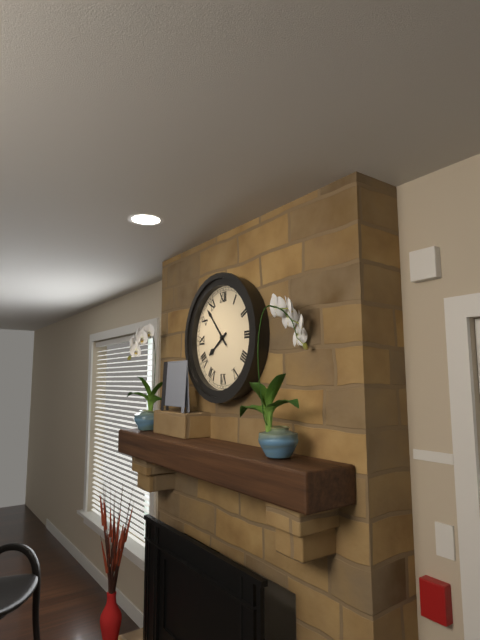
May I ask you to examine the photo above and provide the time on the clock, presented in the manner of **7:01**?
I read **7:53**
